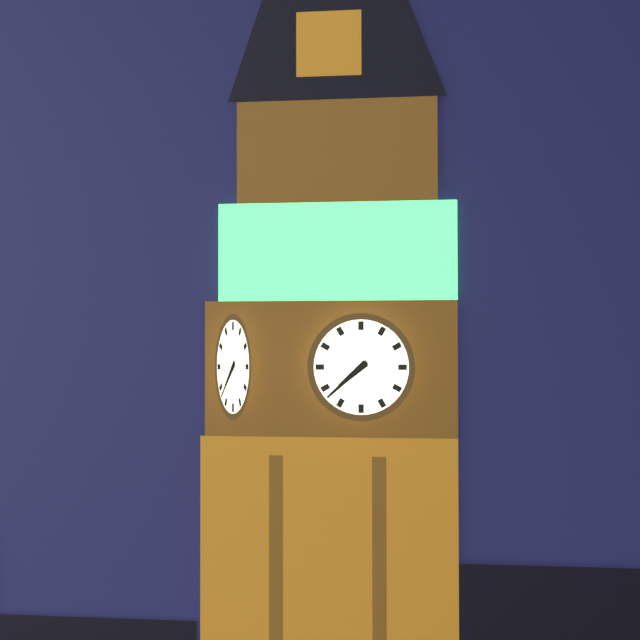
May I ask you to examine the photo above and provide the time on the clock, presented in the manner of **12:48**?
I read **7:38**
